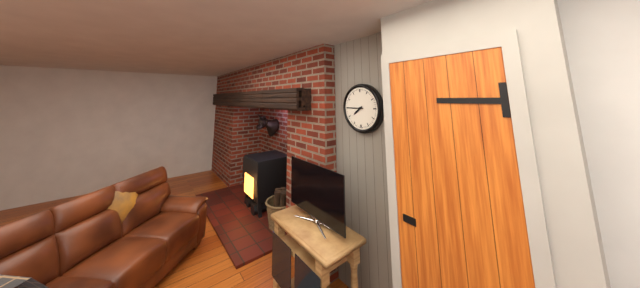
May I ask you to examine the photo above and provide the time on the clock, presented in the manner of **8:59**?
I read **7:45**
